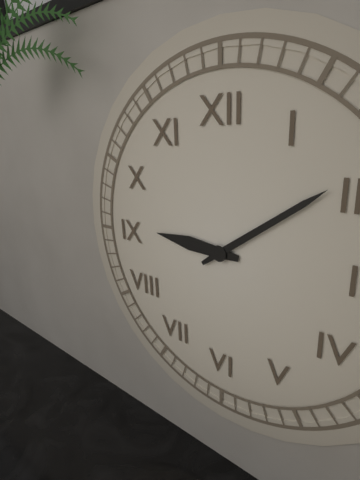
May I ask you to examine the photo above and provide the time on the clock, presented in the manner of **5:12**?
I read **9:09**
